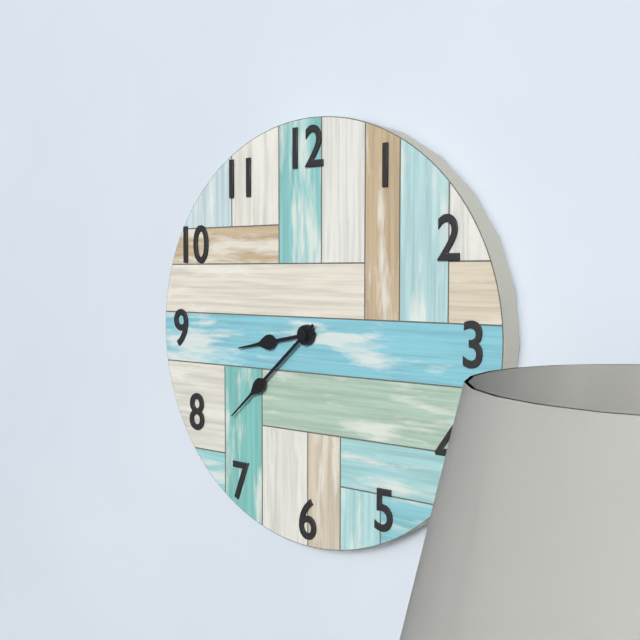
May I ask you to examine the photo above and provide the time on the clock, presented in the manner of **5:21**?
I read **8:38**
